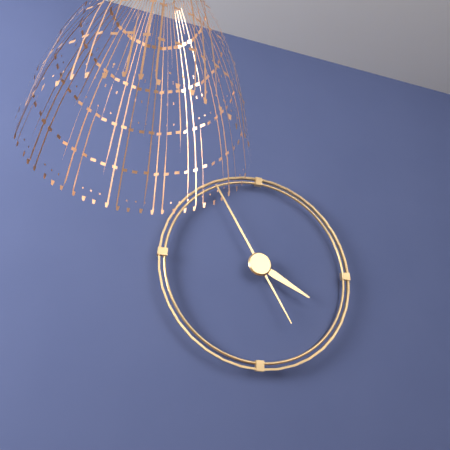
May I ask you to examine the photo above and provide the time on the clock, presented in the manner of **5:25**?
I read **3:55**
